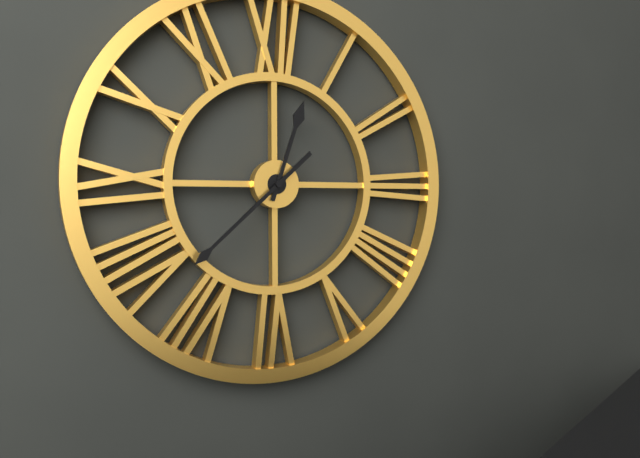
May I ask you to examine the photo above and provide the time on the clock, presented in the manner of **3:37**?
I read **12:38**
